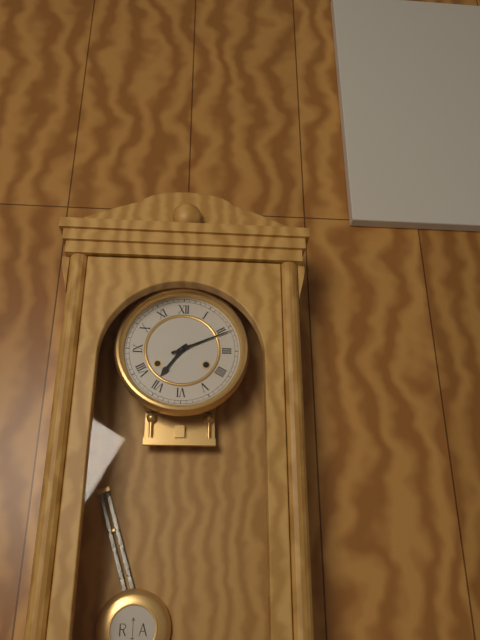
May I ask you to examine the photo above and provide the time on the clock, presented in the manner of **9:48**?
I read **7:11**
